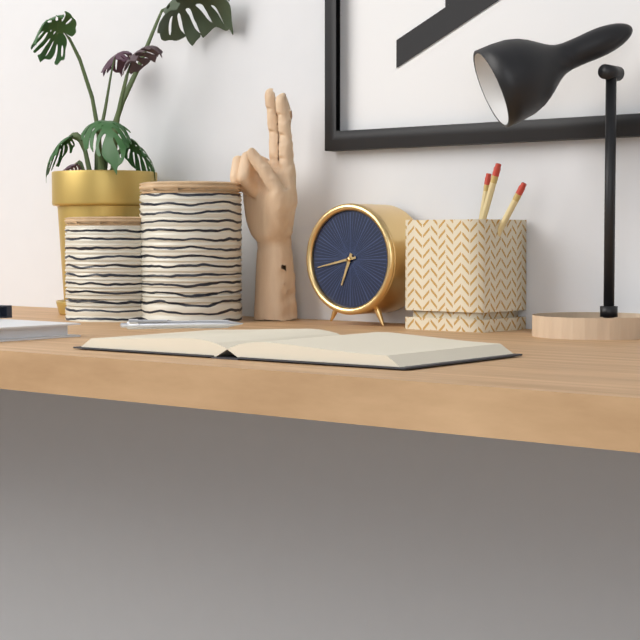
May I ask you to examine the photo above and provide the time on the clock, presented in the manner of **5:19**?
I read **6:43**
